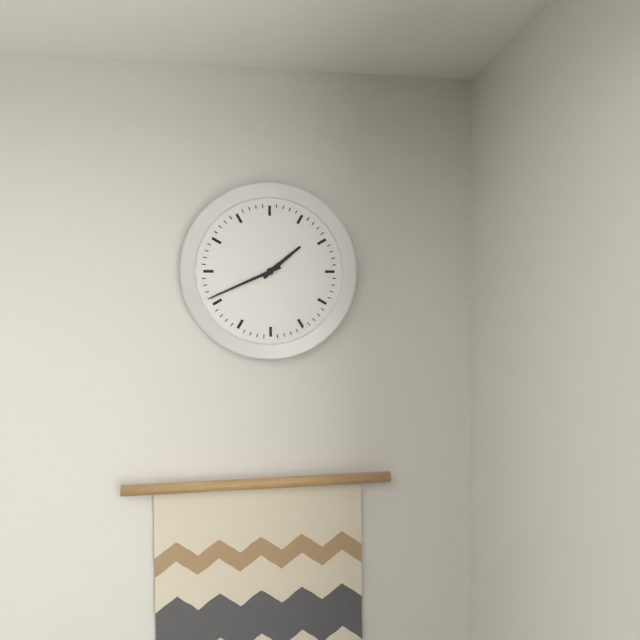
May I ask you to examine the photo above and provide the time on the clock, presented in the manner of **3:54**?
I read **1:41**
